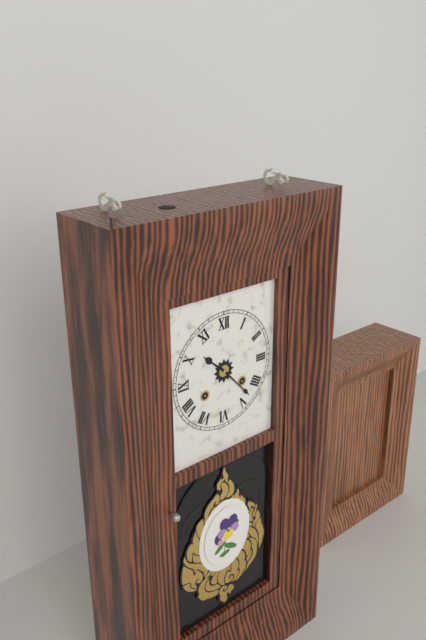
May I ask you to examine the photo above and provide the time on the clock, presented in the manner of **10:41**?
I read **10:23**
